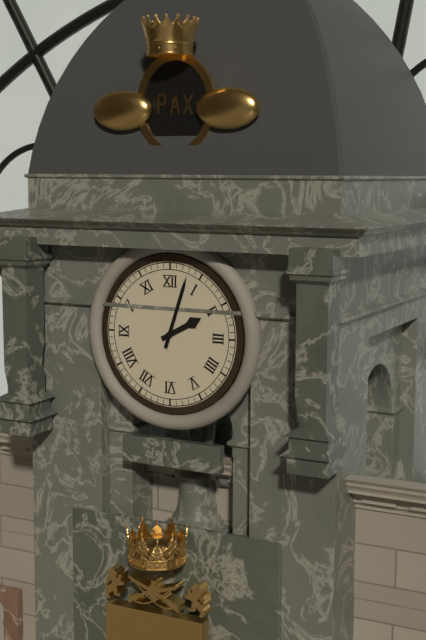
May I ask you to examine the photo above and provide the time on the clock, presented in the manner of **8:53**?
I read **2:03**
